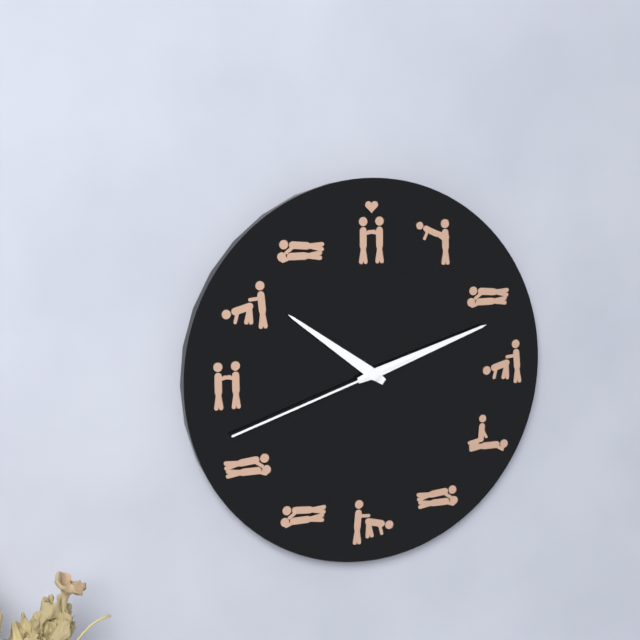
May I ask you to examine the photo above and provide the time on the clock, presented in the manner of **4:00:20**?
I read **10:12:42**
